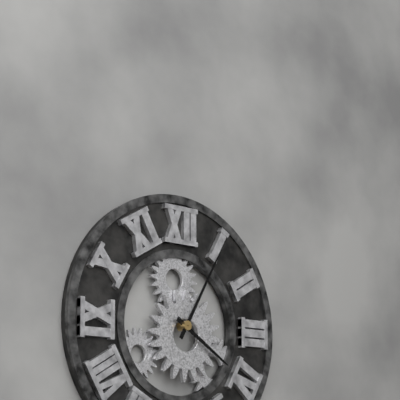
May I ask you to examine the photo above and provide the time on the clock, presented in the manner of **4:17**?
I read **4:05**
